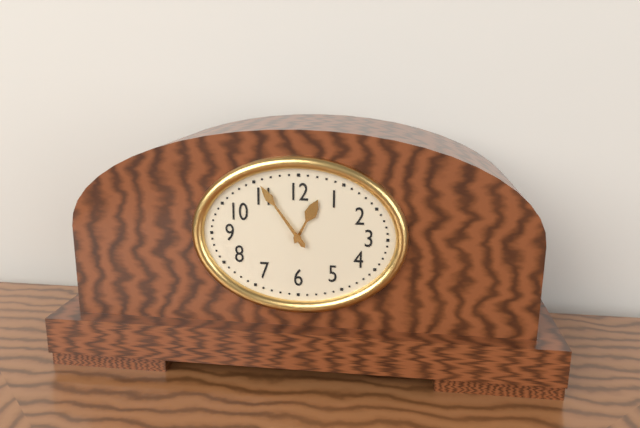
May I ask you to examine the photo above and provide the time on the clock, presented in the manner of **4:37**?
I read **12:54**
